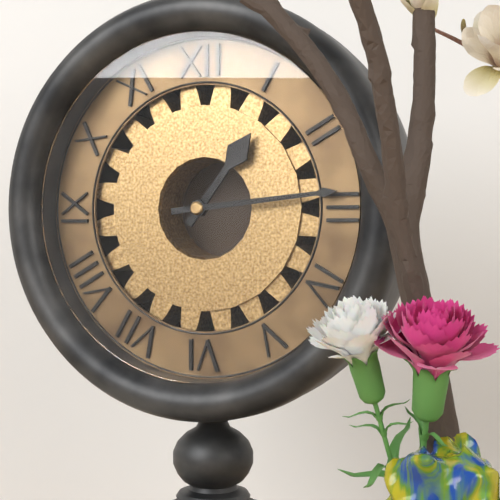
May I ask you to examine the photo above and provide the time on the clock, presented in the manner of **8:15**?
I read **1:14**
